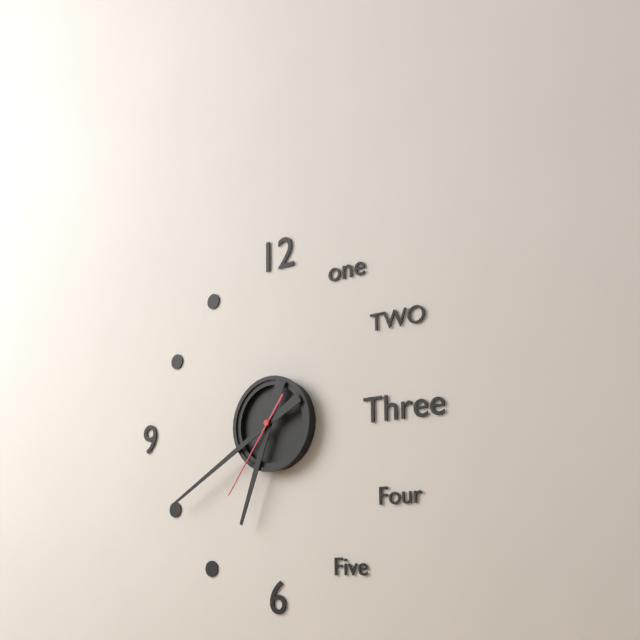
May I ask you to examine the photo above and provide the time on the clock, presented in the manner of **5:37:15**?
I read **6:40:36**
